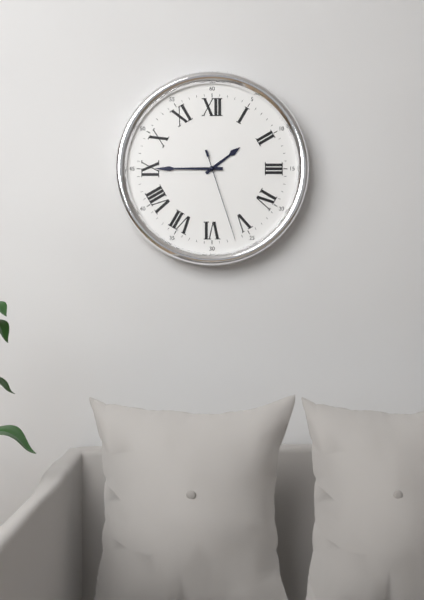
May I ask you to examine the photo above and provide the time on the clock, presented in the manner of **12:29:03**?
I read **1:45:27**
